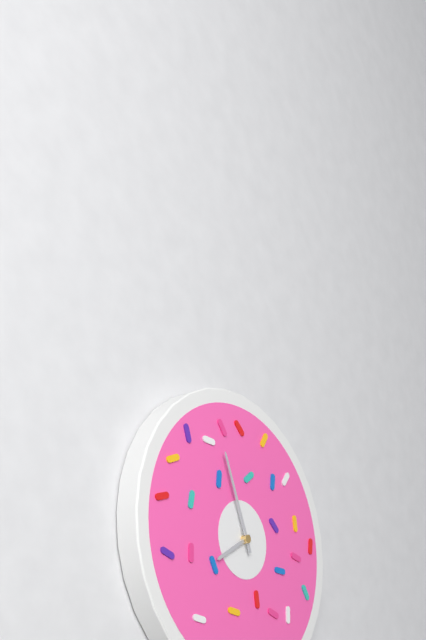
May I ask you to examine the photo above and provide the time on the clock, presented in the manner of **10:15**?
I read **7:56**
